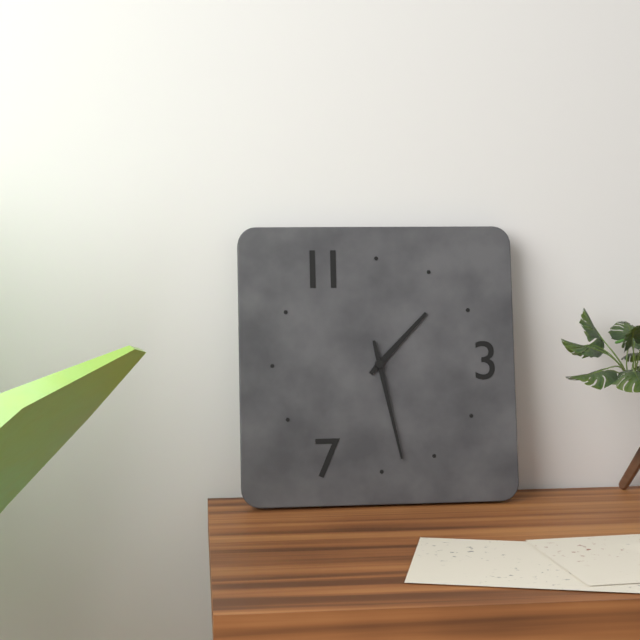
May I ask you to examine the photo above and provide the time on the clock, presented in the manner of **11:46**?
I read **1:28**
